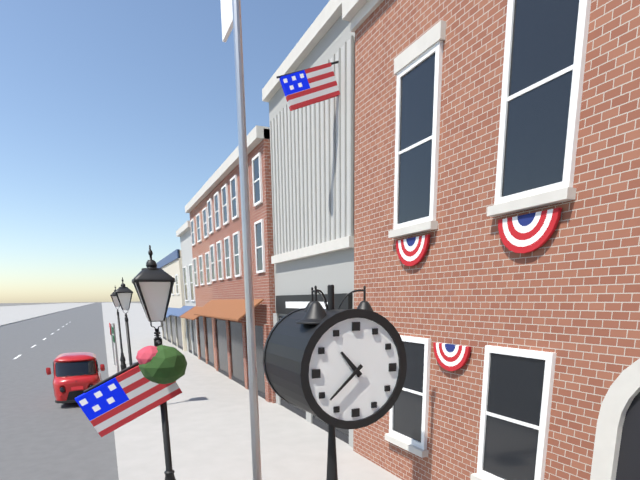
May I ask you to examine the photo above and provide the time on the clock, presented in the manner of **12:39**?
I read **10:38**
